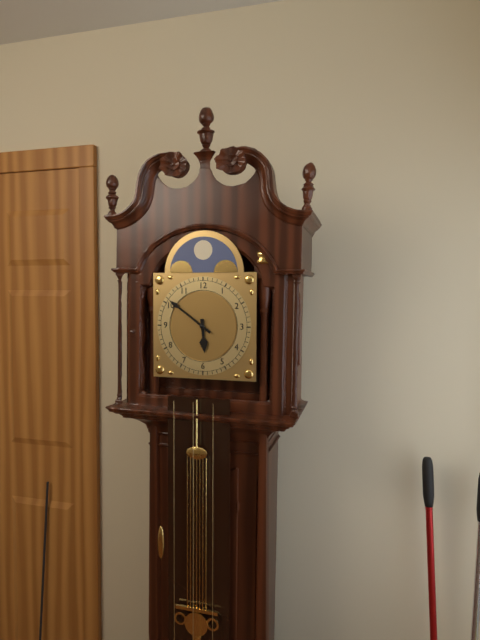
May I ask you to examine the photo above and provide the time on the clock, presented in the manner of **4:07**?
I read **5:51**
